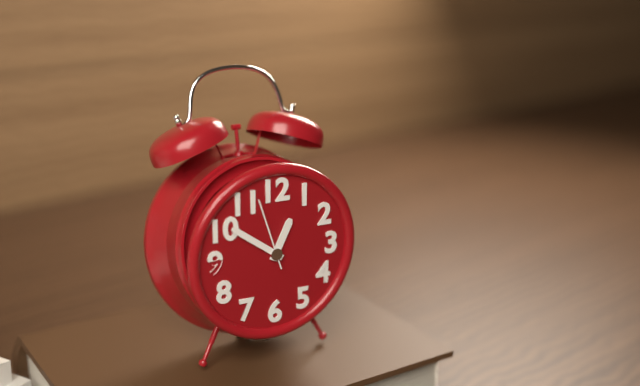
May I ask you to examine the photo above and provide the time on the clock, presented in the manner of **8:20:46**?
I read **12:51:57**
